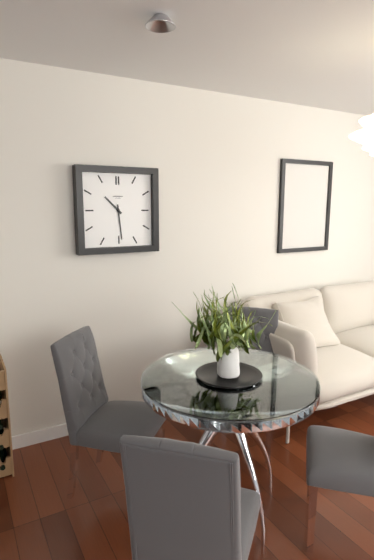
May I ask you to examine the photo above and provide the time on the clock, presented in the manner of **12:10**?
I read **10:29**
